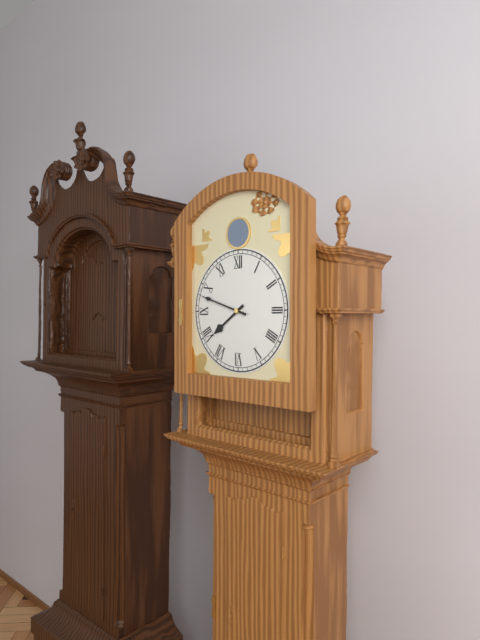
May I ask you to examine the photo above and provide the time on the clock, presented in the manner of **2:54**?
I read **7:48**
